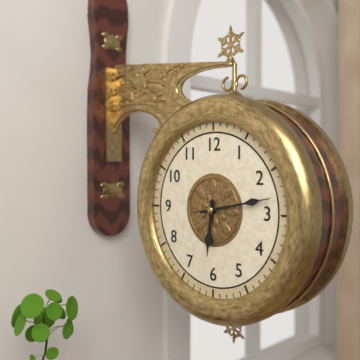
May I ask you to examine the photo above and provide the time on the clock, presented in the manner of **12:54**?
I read **6:13**
